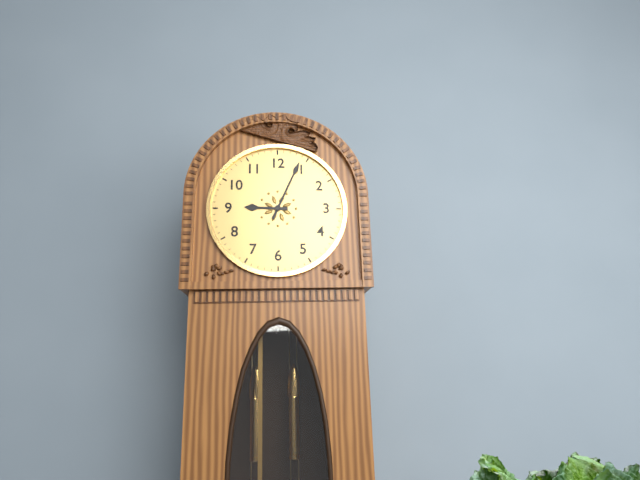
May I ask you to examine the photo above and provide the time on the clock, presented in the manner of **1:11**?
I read **9:04**
